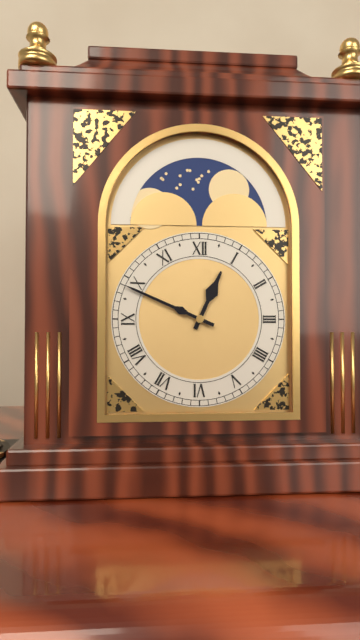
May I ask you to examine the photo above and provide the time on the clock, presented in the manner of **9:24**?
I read **12:49**
